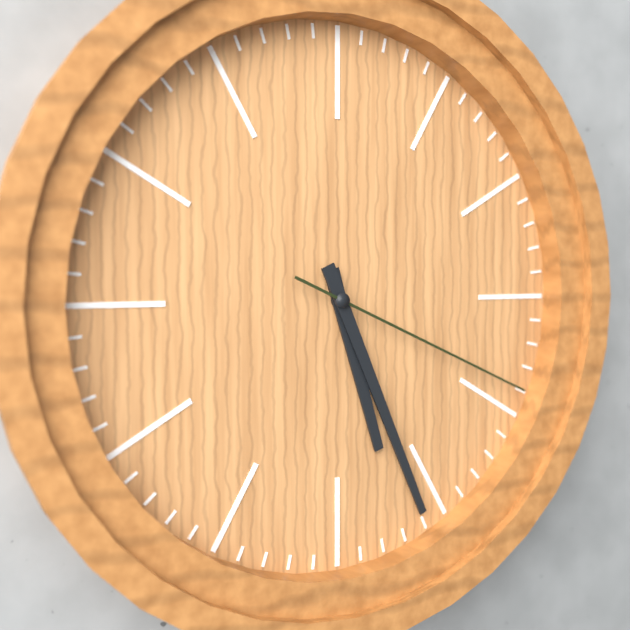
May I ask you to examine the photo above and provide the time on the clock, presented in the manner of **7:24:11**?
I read **5:26:19**
